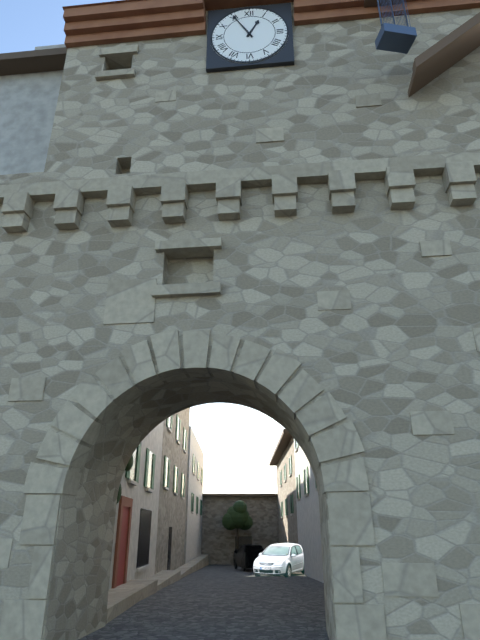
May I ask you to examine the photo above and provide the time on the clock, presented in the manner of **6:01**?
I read **12:55**
